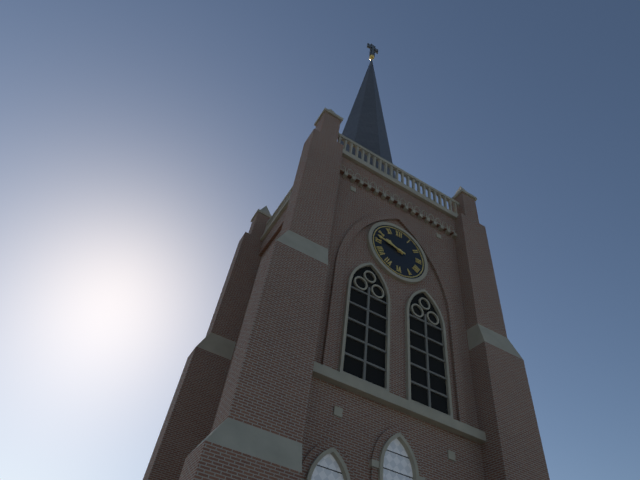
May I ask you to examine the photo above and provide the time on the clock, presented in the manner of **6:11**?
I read **9:47**
